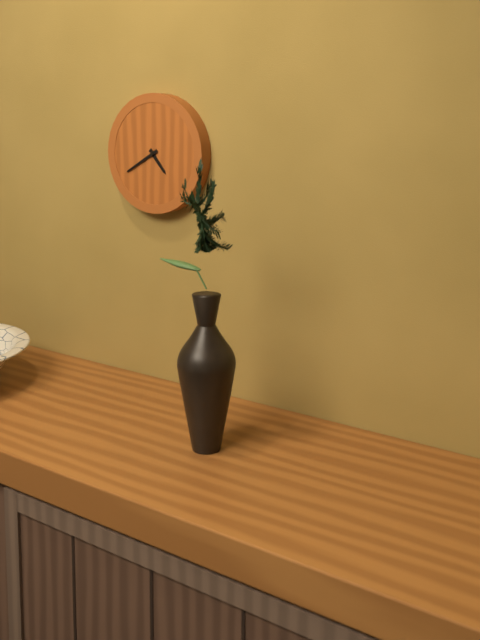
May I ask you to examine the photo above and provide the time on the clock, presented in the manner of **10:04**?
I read **4:40**
